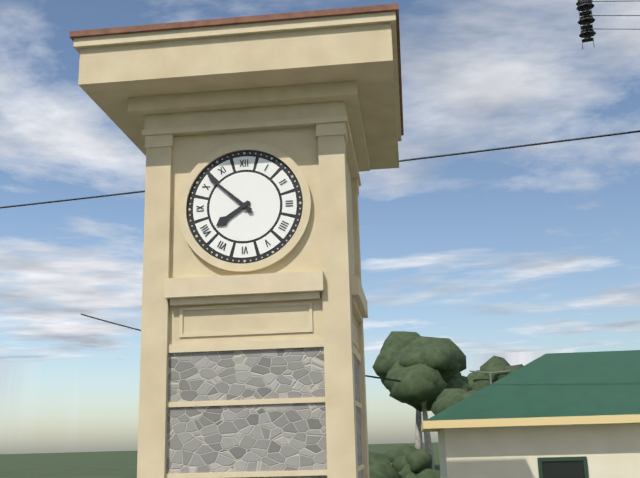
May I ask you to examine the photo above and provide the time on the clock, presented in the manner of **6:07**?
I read **7:52**
